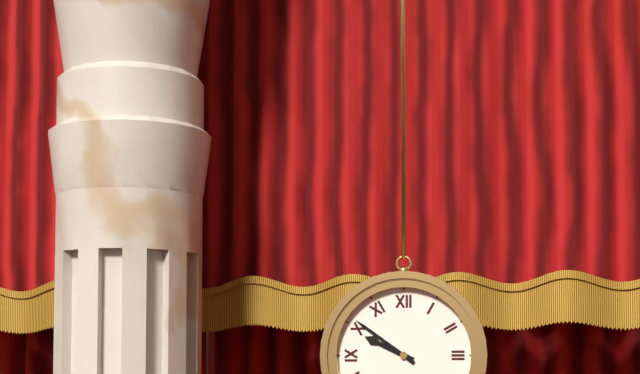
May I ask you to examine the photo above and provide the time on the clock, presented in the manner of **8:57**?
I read **9:51**
